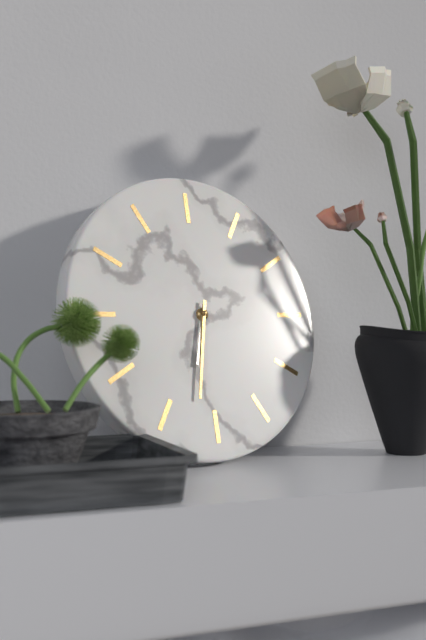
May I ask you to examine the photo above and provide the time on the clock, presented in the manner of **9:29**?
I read **6:32**
